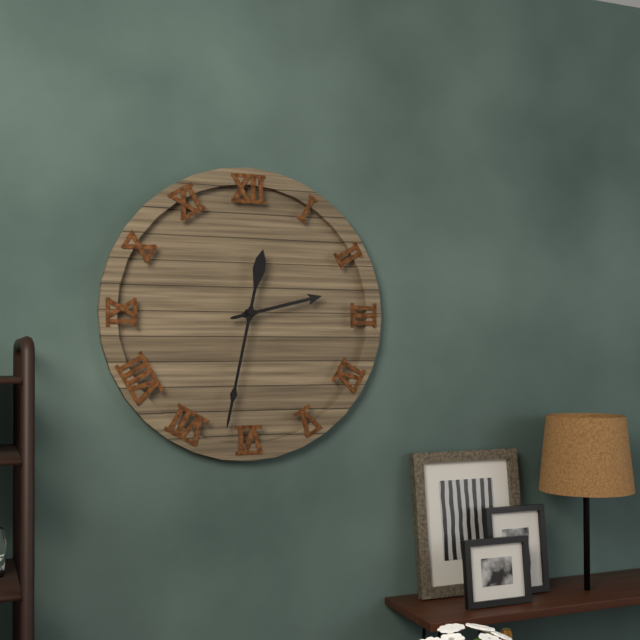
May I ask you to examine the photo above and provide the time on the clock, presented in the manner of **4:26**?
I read **2:32**
